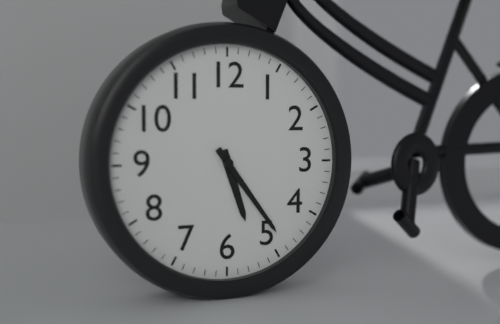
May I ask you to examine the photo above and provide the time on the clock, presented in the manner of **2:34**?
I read **5:24**
